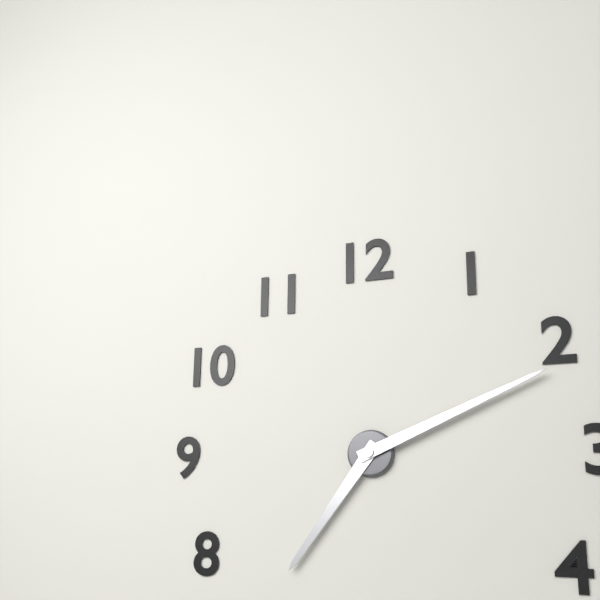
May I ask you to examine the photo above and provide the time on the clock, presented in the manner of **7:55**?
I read **7:11**
